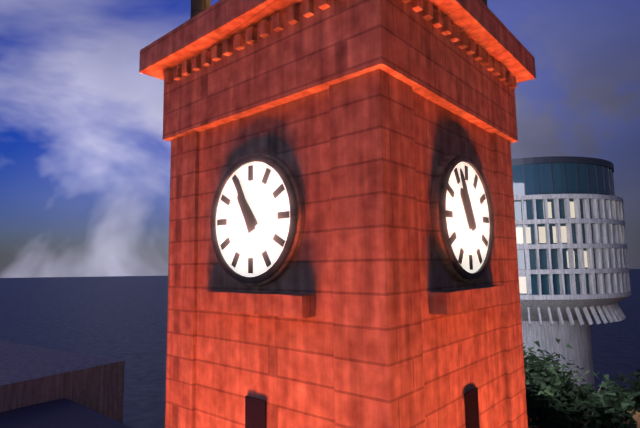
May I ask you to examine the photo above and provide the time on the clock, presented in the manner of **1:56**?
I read **10:56**
